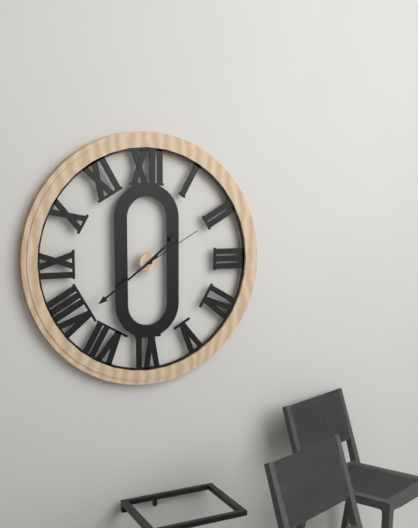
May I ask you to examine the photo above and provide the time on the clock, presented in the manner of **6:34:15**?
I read **1:39:10**
